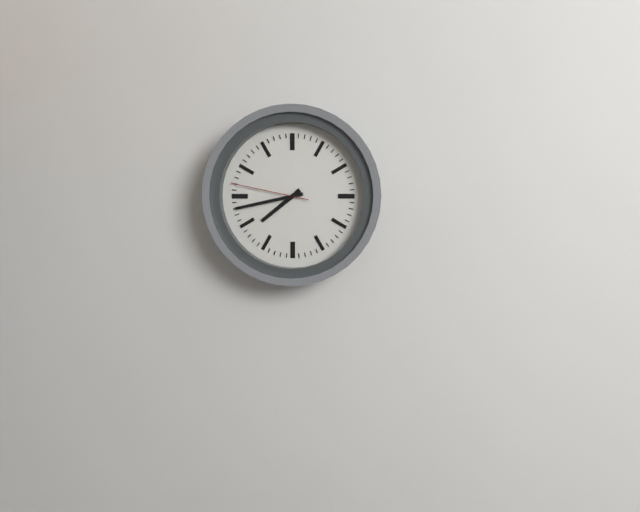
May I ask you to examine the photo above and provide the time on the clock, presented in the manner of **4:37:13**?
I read **7:43:47**
